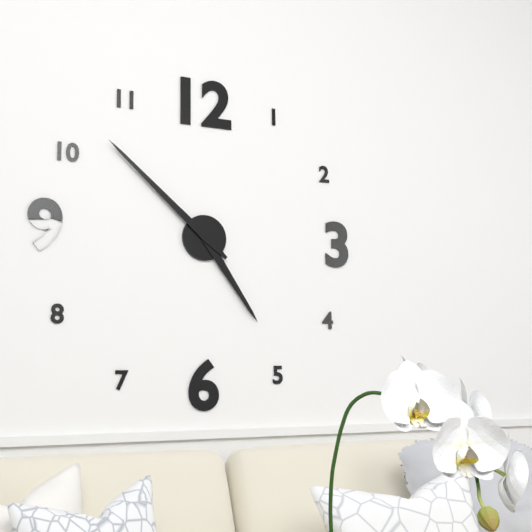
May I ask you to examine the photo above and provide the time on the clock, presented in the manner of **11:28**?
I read **4:52**
